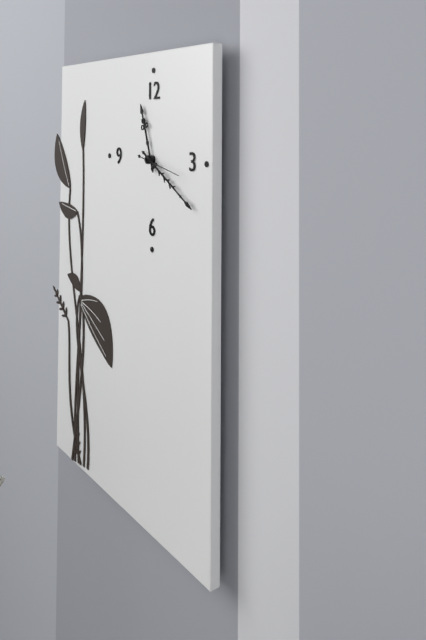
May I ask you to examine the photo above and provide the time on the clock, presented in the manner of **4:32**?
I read **11:20**
